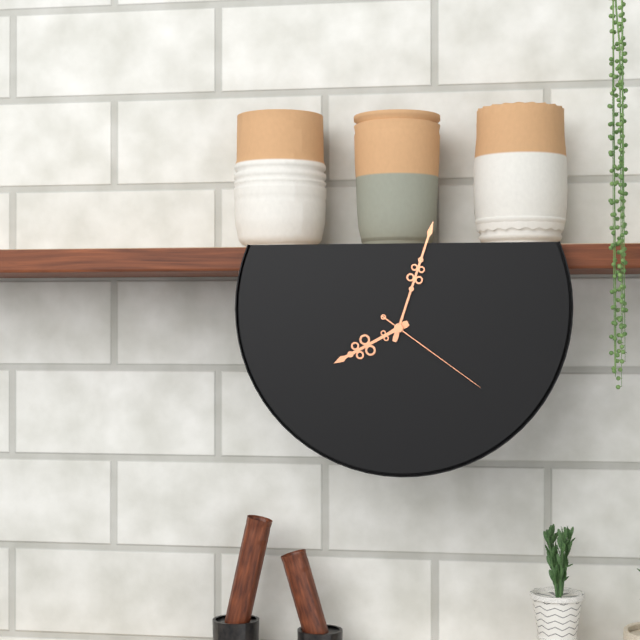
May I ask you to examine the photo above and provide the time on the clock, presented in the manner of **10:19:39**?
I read **8:03:21**
